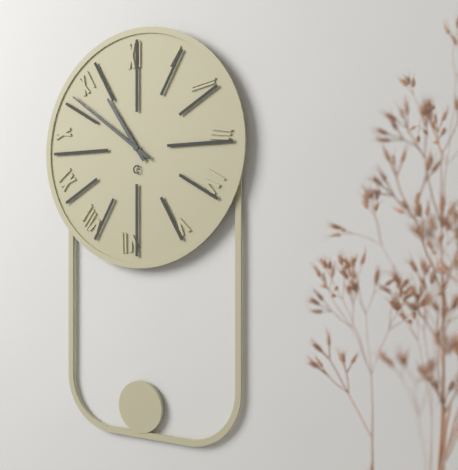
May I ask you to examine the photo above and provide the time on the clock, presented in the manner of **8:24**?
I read **10:51**
